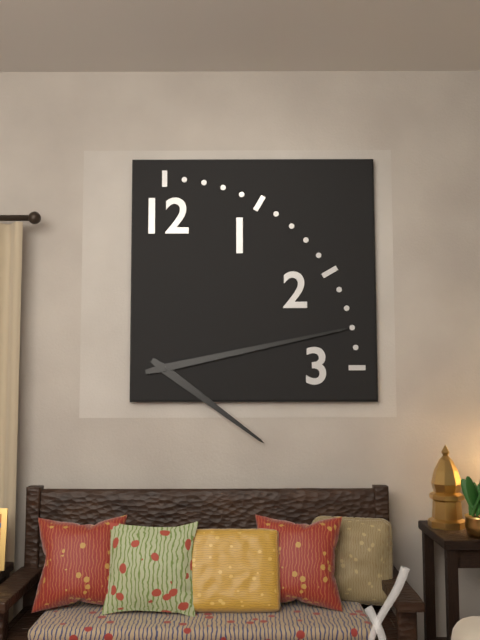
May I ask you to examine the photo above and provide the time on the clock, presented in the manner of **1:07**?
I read **4:13**
